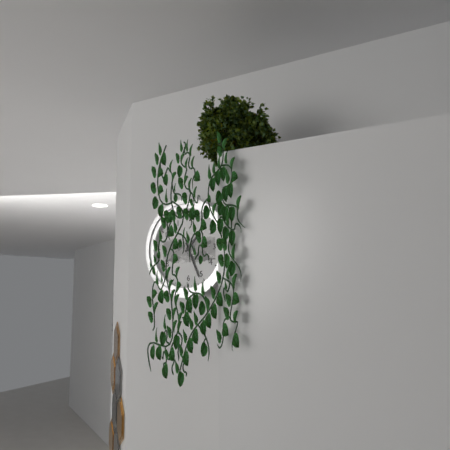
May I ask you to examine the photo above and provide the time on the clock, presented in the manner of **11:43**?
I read **1:26**
